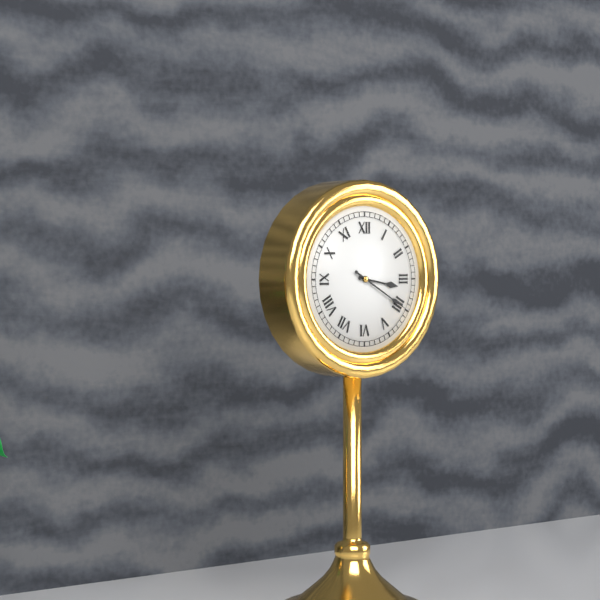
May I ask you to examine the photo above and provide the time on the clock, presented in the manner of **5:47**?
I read **3:20**
